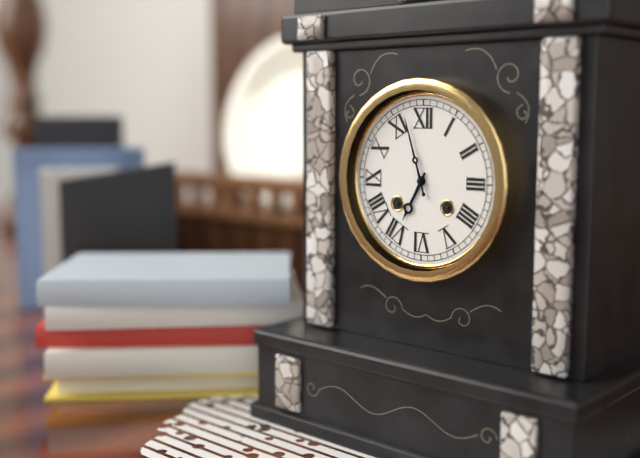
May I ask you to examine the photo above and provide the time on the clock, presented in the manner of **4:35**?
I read **6:57**
